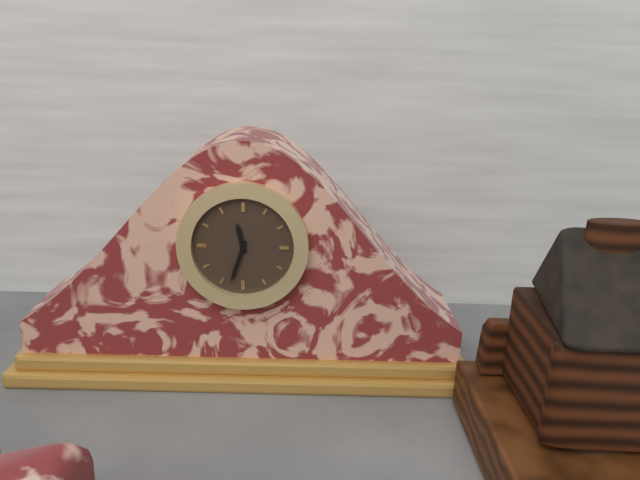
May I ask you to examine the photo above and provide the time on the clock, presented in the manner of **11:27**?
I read **11:33**
